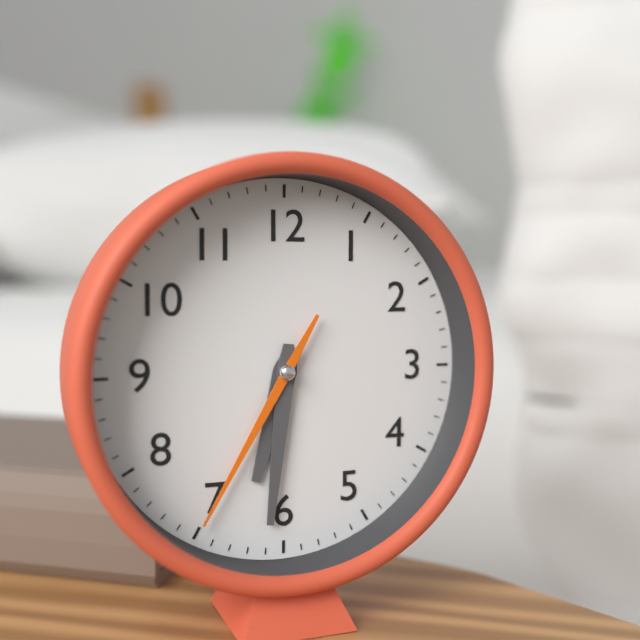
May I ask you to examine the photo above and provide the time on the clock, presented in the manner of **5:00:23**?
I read **6:31:35**
